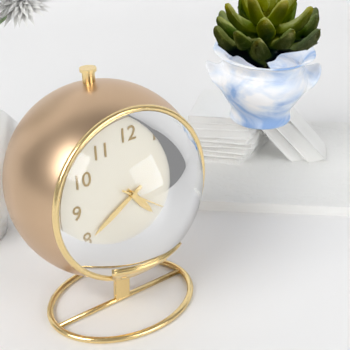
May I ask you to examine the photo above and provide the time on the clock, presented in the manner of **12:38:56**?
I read **4:40:21**
